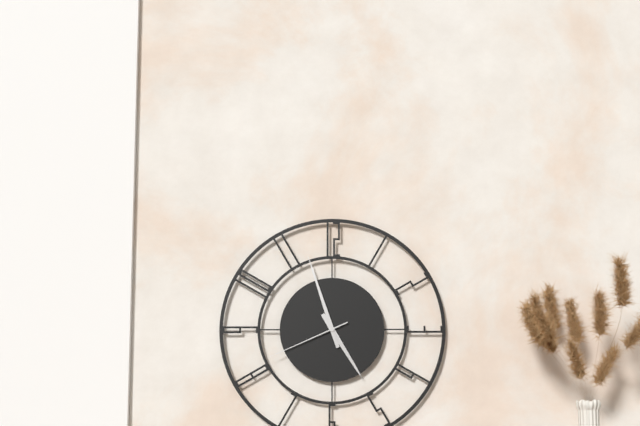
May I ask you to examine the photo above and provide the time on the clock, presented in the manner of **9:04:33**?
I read **4:57:41**
